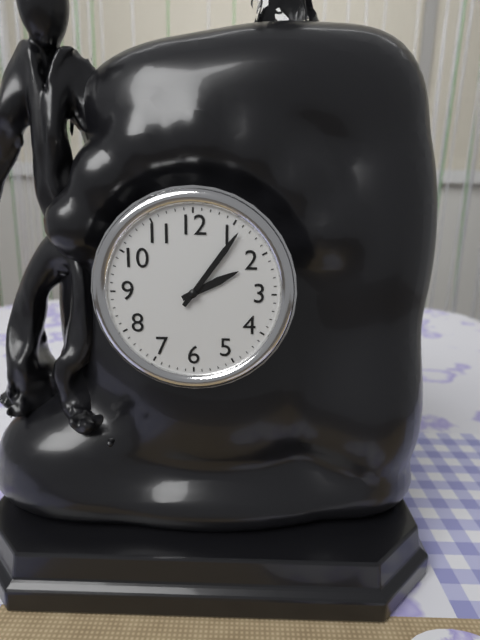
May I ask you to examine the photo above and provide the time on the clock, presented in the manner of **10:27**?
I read **2:06**
